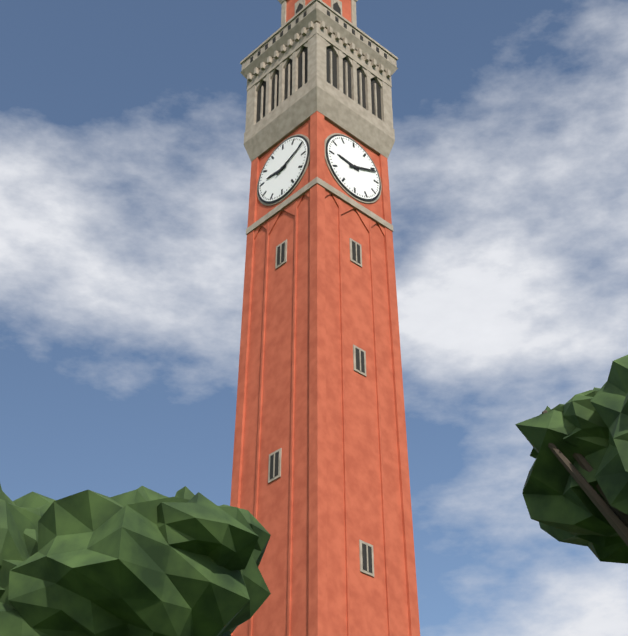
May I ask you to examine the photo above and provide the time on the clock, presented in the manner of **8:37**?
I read **9:11**
